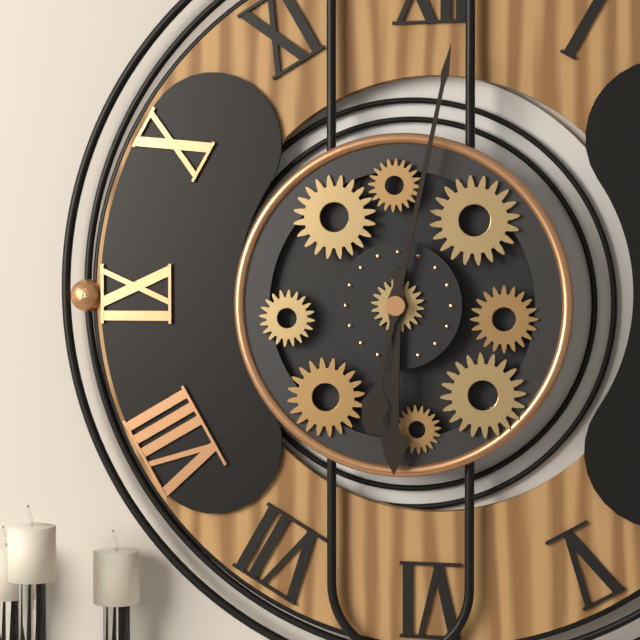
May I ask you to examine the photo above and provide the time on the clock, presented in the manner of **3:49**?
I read **6:02**
